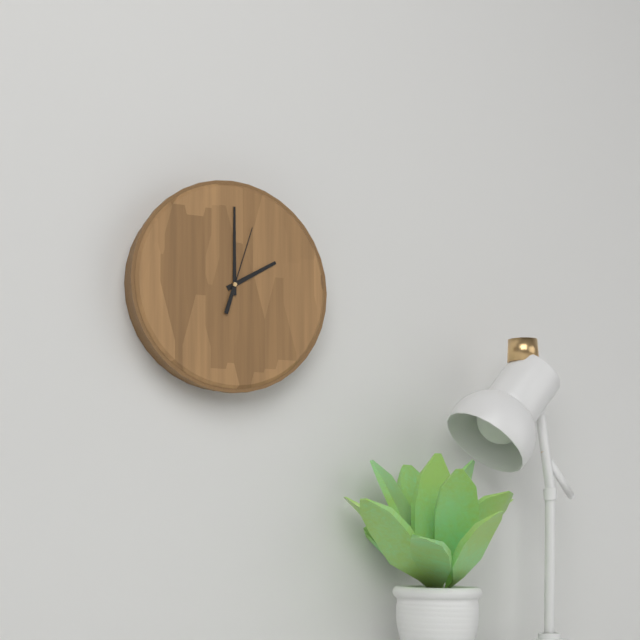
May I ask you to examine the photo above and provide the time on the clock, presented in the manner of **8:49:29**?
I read **2:00:03**
